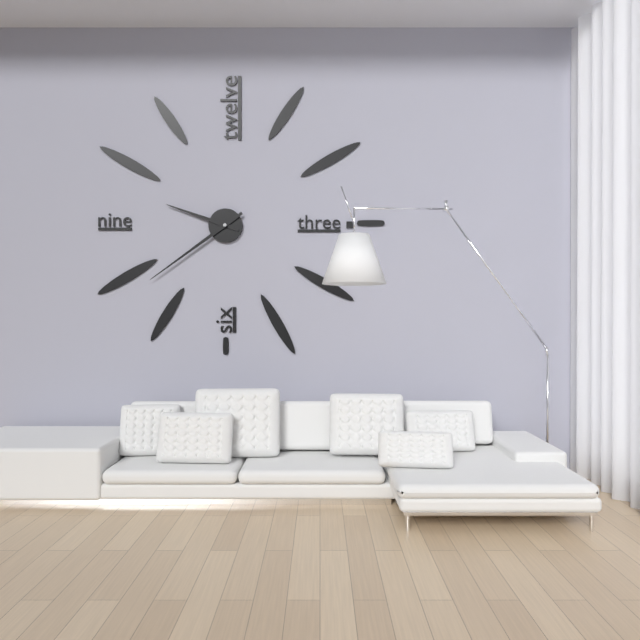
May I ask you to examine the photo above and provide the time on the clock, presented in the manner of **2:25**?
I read **9:39**
